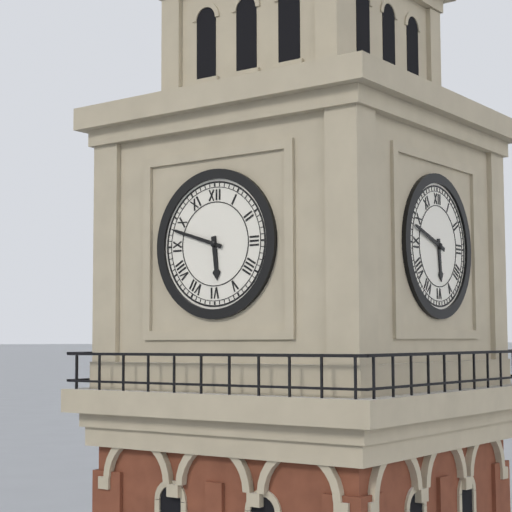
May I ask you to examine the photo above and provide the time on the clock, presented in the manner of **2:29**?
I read **5:48**
